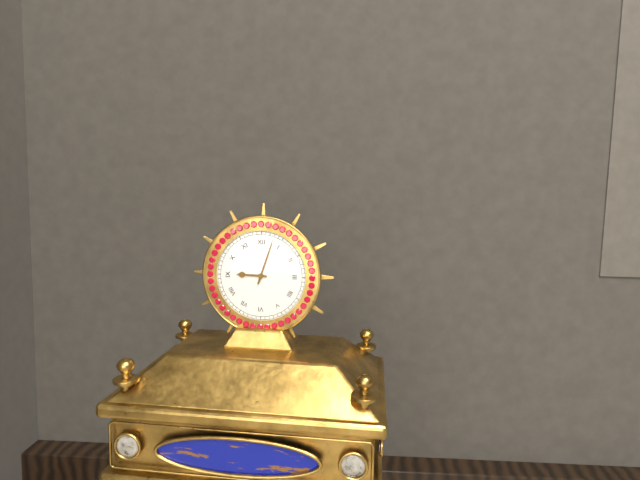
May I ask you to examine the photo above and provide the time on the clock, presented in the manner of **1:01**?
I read **9:03**
